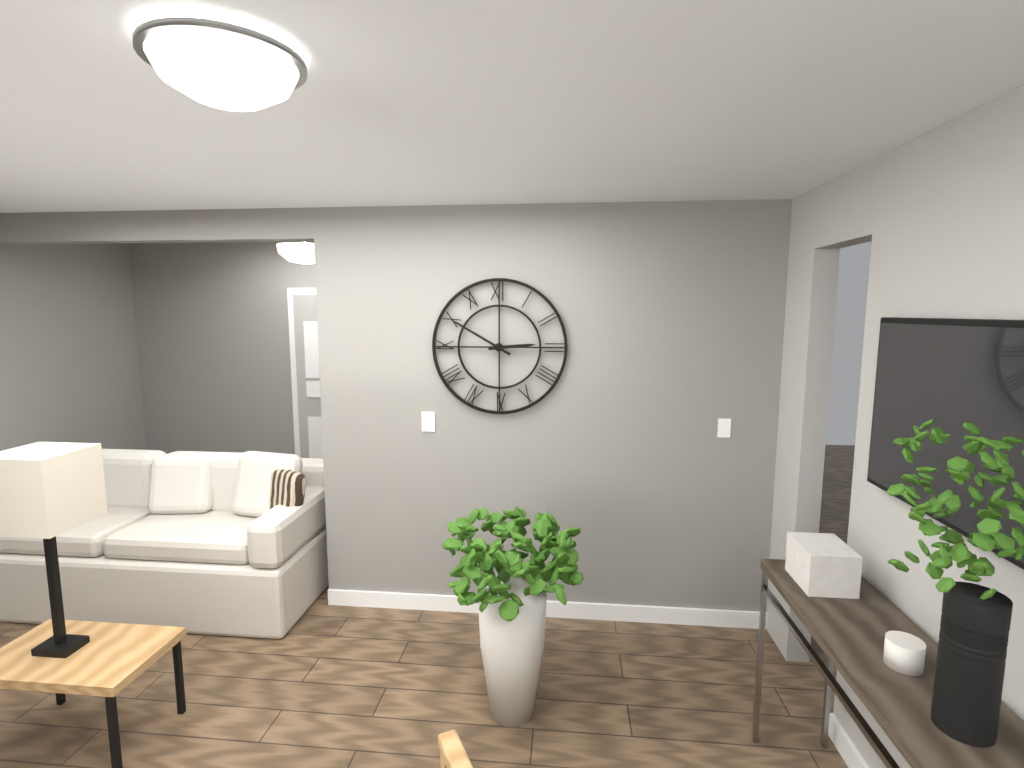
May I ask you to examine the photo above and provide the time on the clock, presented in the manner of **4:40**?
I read **2:50**
